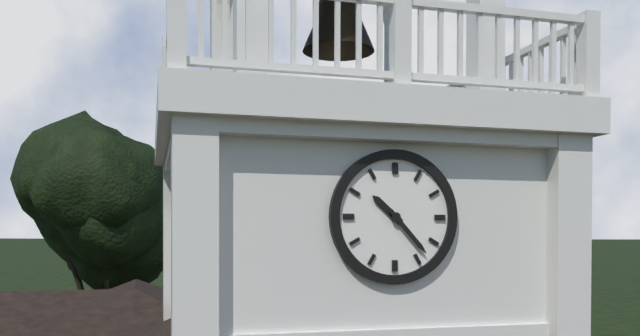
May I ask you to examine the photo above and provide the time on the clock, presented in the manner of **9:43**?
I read **10:23**
